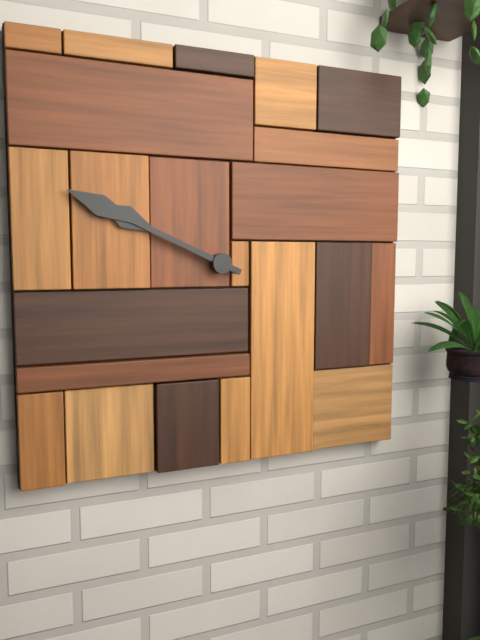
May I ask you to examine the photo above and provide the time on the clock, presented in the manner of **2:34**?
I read **9:49**
